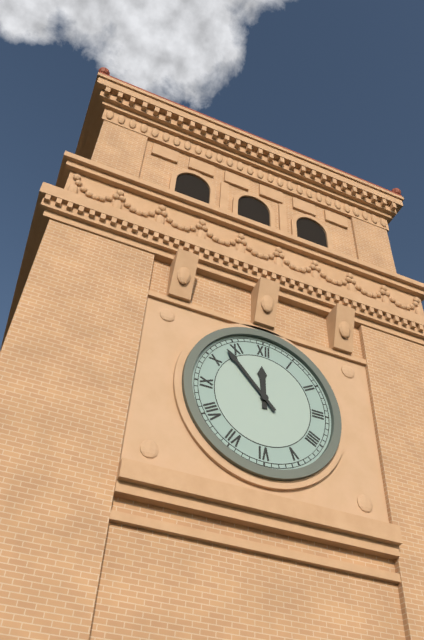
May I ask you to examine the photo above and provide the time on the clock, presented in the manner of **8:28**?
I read **11:53**
